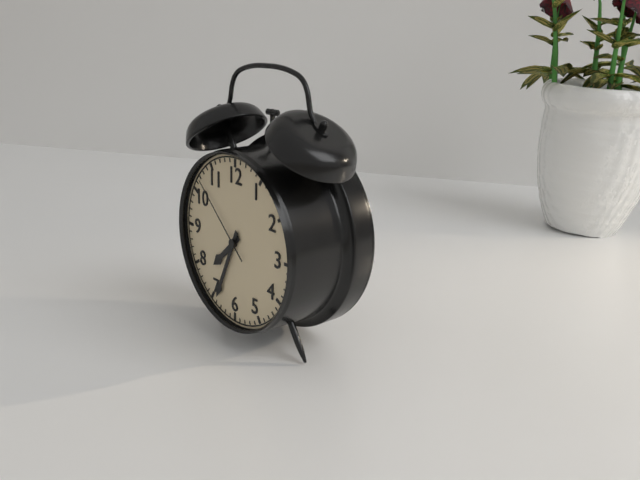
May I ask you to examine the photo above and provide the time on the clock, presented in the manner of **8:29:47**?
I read **7:34:52**
